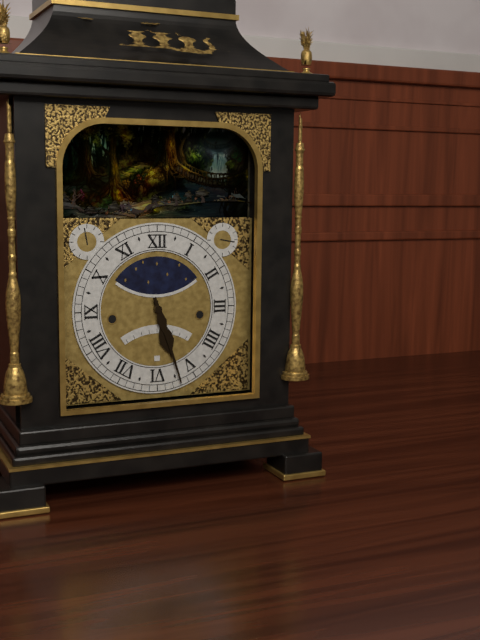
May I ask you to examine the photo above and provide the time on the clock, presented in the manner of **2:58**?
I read **5:27**
